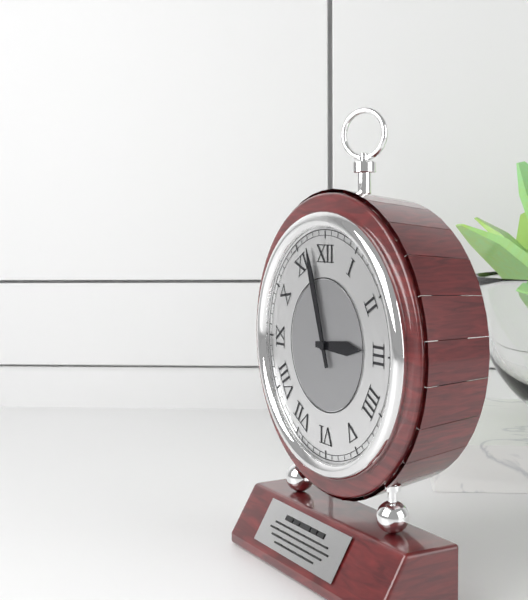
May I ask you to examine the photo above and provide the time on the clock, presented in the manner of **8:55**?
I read **2:57**
